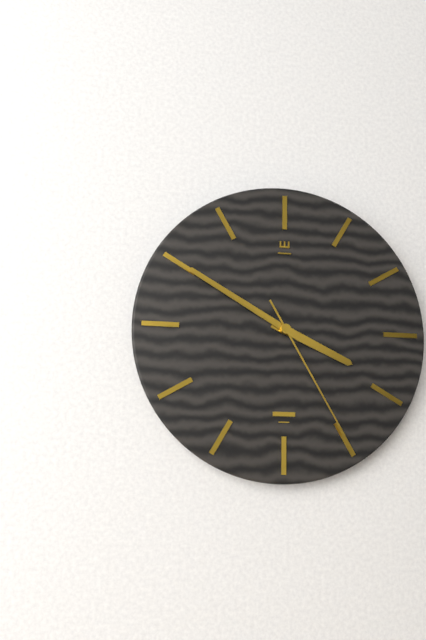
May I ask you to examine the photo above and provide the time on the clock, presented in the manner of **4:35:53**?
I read **3:50:25**
